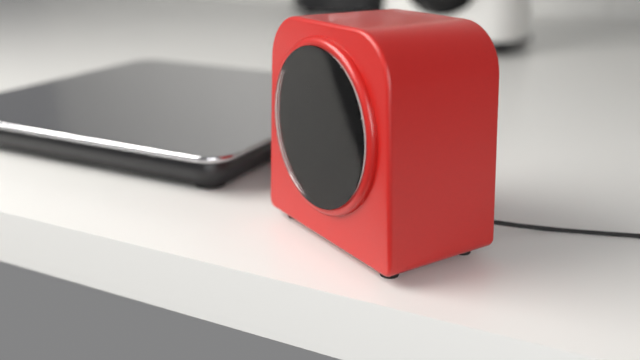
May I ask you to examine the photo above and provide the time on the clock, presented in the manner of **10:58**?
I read **6:06**
